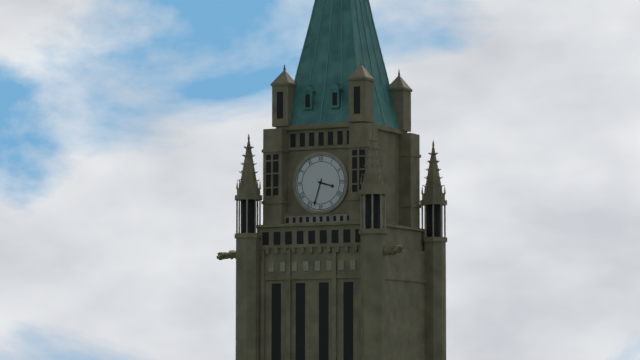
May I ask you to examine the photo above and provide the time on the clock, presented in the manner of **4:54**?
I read **3:33**
